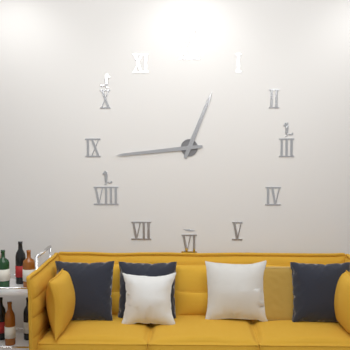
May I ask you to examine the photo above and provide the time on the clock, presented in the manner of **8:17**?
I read **12:44**
